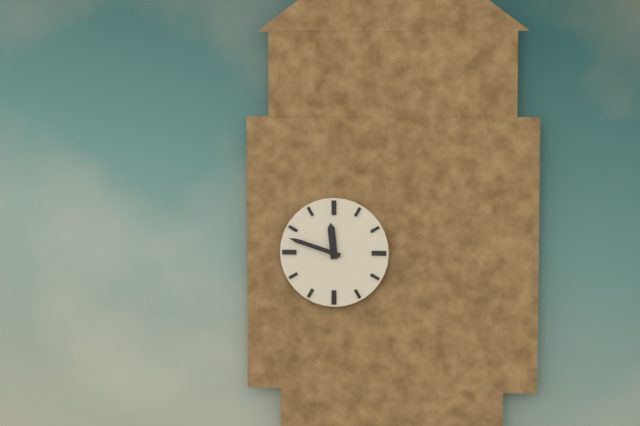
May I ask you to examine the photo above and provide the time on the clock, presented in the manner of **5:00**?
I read **11:48**
